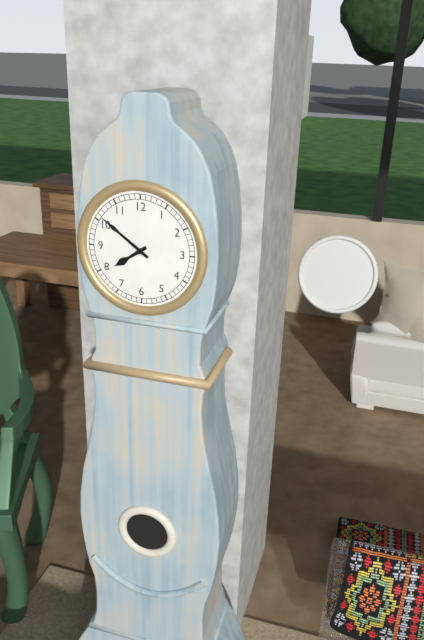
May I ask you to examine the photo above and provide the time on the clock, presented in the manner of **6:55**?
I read **7:51**
